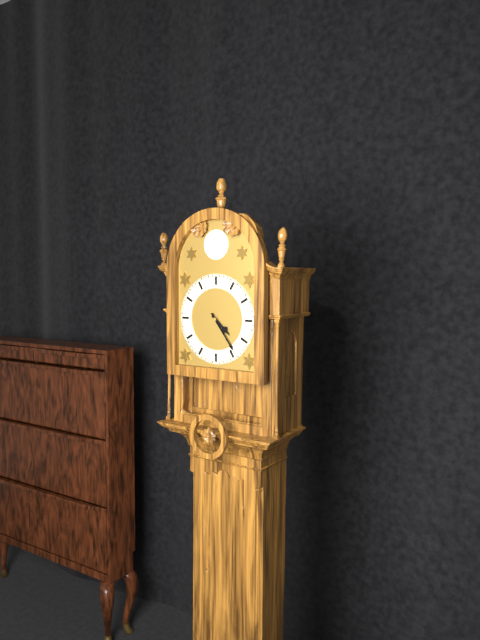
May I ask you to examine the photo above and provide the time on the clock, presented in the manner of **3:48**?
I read **4:24**
